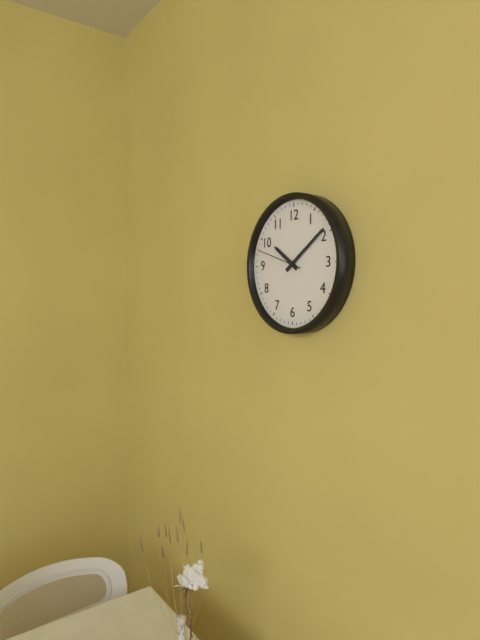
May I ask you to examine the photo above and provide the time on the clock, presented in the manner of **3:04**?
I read **10:09**
